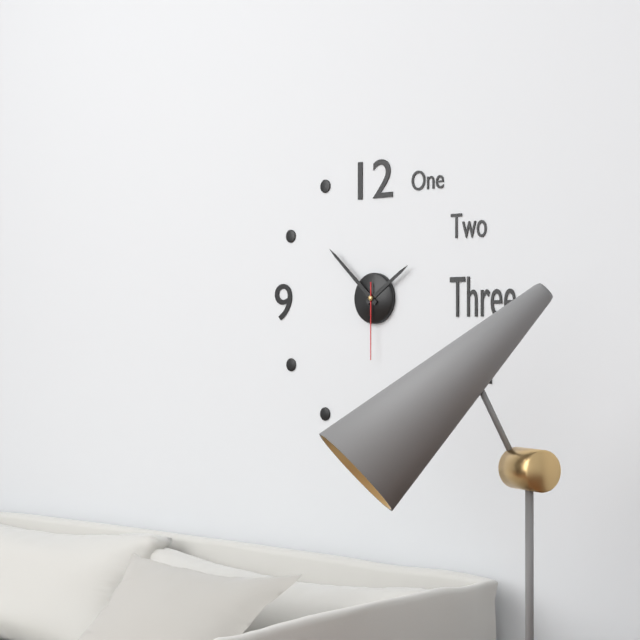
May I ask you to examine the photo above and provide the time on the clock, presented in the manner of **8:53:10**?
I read **1:52:30**
